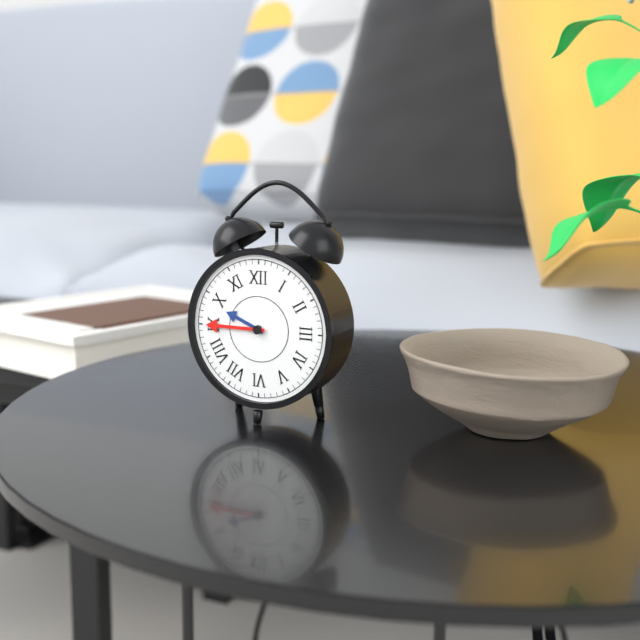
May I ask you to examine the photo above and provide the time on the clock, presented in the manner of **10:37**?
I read **9:45**
